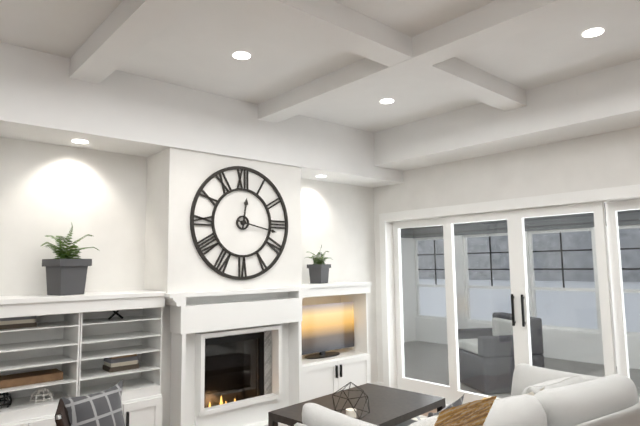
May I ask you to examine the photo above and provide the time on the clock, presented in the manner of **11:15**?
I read **12:17**
